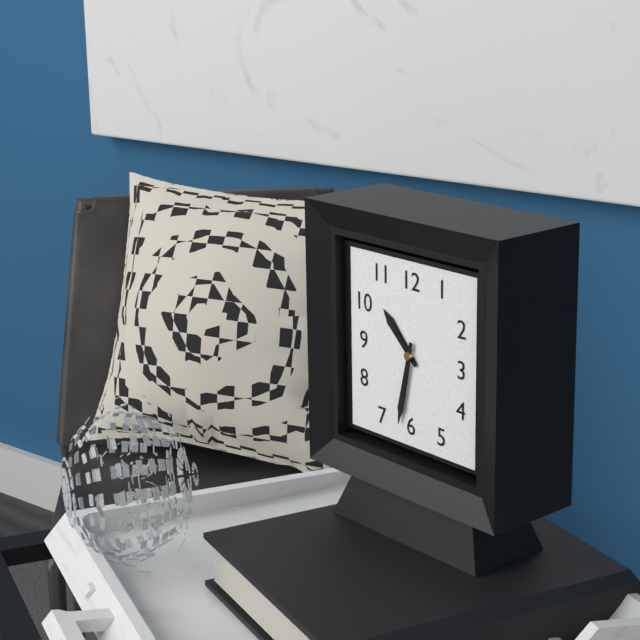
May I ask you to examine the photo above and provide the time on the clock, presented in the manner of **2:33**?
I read **10:32**
